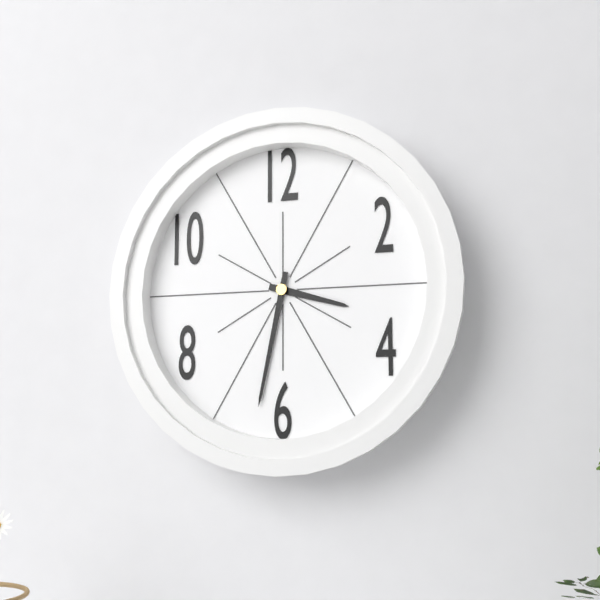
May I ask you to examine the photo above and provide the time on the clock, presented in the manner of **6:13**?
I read **3:32**
